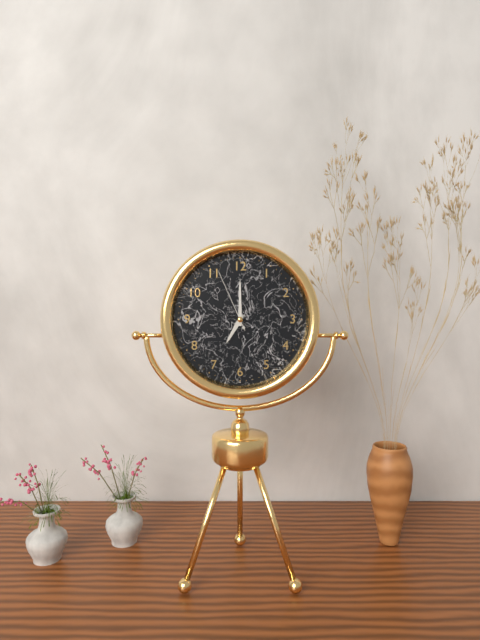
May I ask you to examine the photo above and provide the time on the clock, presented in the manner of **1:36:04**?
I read **7:00:56**
